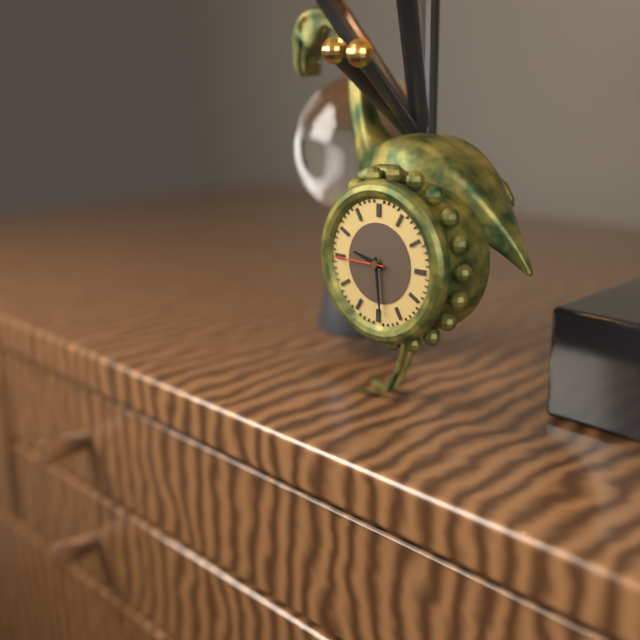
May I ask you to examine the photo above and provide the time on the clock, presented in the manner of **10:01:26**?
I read **9:29:45**
